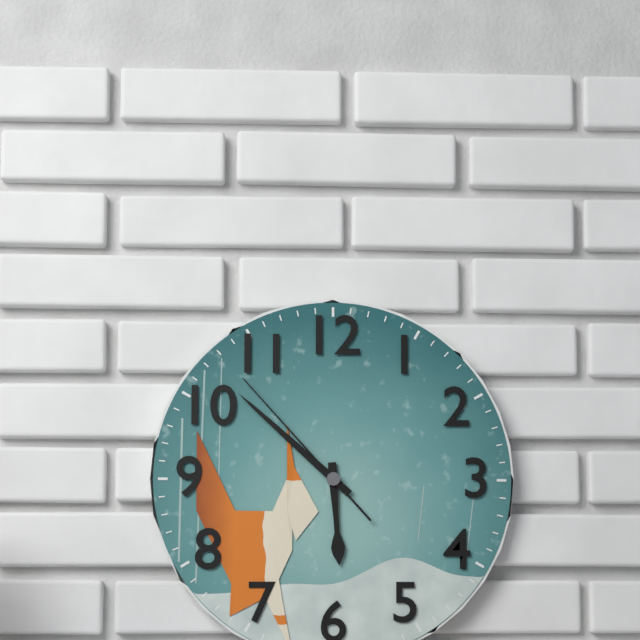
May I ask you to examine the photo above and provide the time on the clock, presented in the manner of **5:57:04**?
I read **5:52:53**
